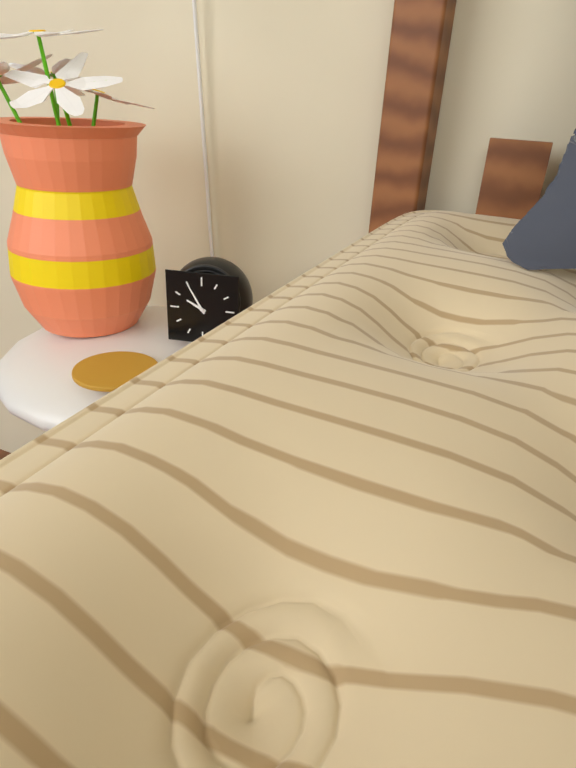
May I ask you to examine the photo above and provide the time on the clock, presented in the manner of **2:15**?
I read **9:55**
